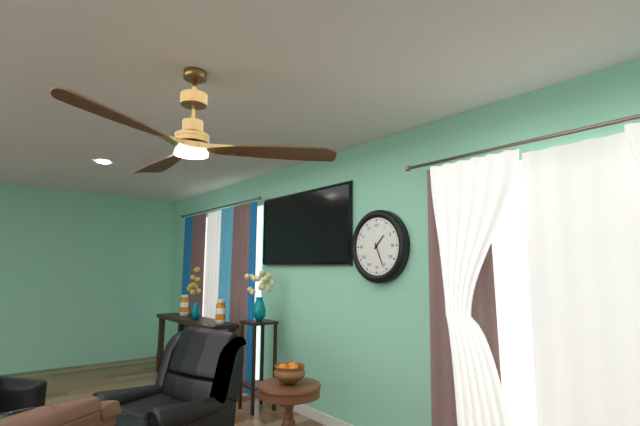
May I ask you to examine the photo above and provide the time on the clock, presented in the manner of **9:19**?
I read **1:26**
